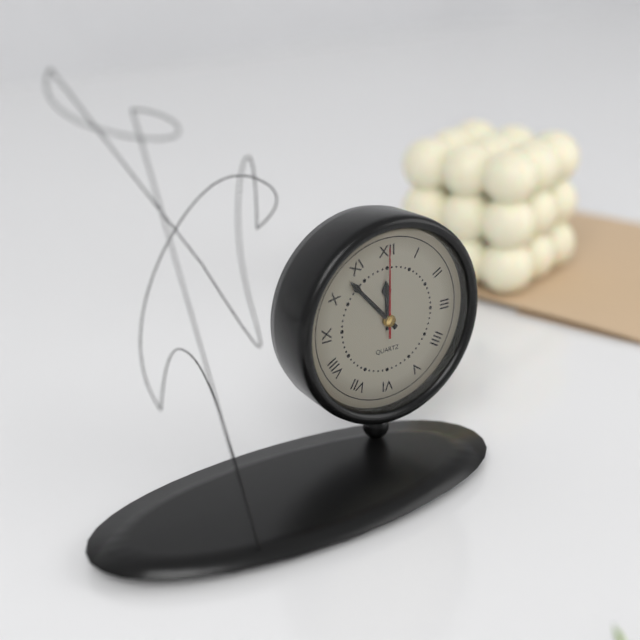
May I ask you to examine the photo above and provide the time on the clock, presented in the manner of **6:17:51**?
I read **11:53:00**
